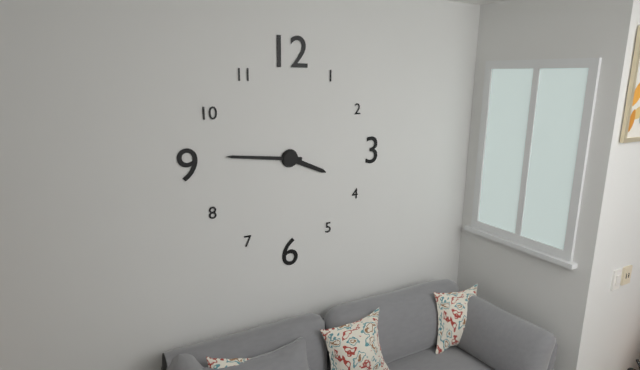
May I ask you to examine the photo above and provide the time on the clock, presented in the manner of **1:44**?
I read **3:46**
